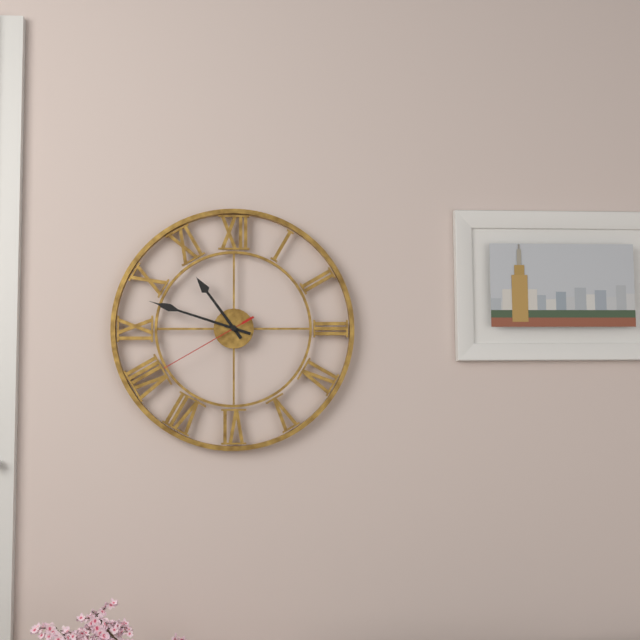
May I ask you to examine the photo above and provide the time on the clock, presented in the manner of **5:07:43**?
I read **10:48:40**
